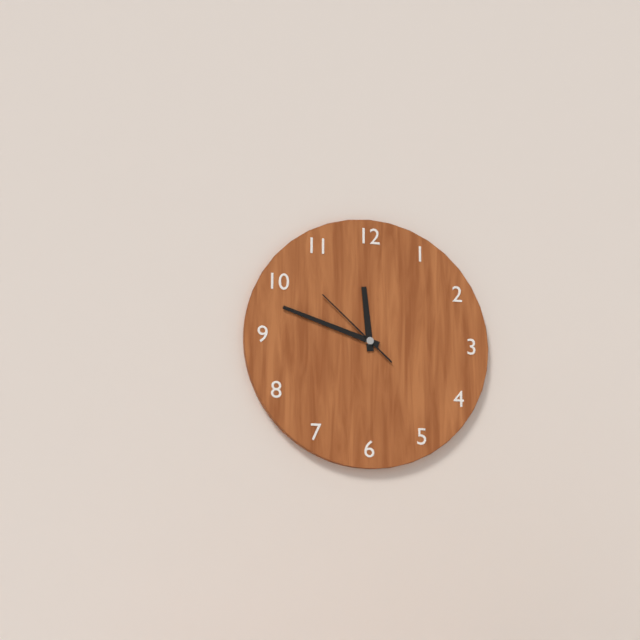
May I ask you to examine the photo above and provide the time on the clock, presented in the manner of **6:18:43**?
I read **11:48:52**
